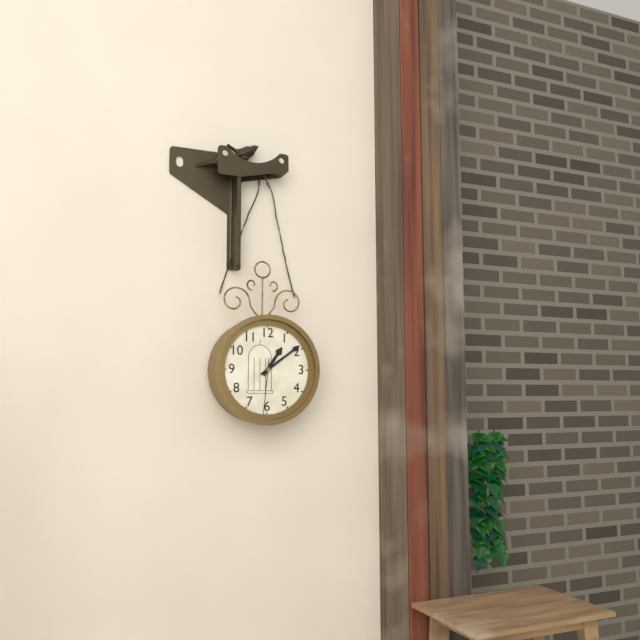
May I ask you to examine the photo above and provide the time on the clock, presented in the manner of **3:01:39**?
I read **1:09:31**
